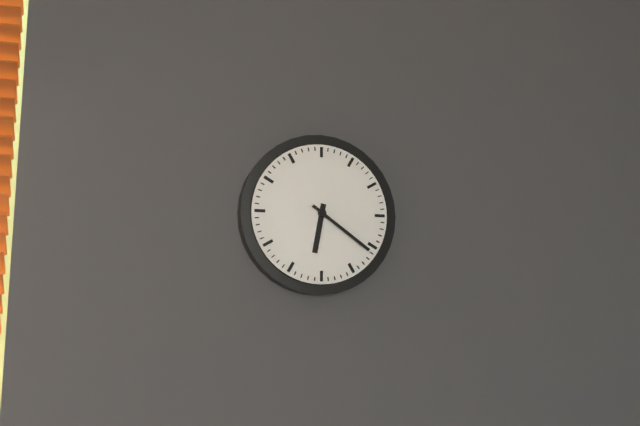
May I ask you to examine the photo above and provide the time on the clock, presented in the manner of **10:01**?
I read **6:21**
